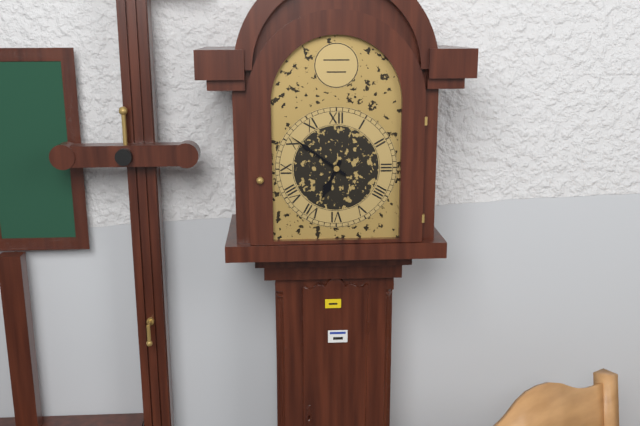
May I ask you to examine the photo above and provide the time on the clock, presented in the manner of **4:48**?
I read **6:51**
